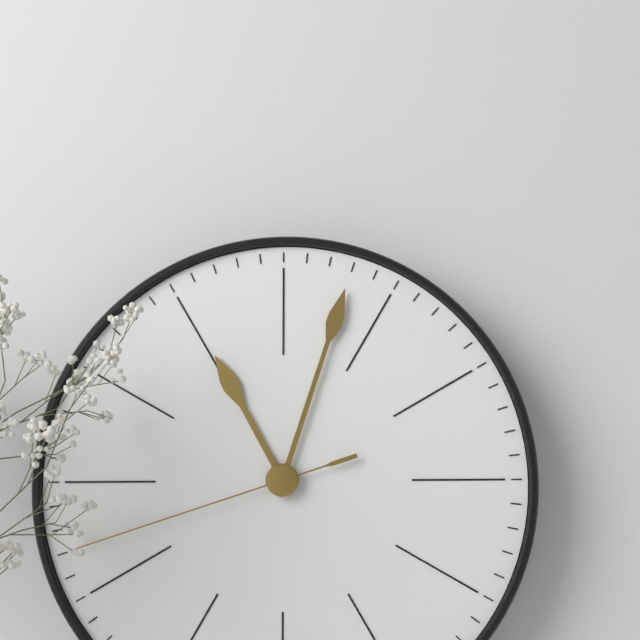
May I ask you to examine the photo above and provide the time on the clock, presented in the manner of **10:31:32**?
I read **11:03:42**
